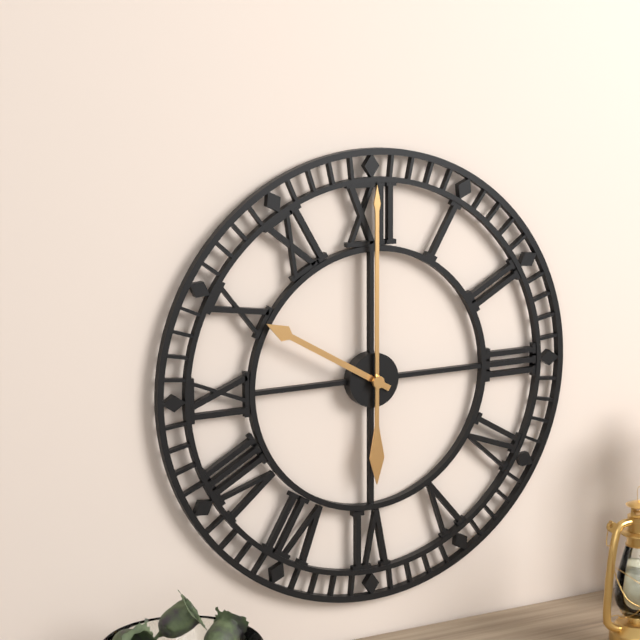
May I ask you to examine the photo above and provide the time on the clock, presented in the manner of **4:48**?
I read **10:00**
